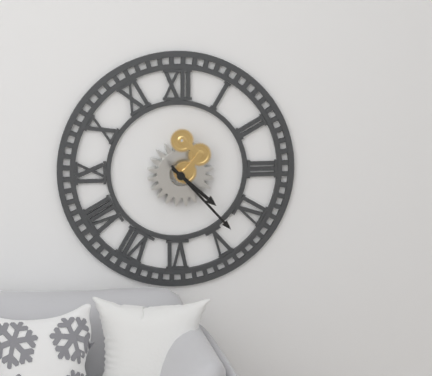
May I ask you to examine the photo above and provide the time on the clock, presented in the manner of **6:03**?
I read **4:23**
